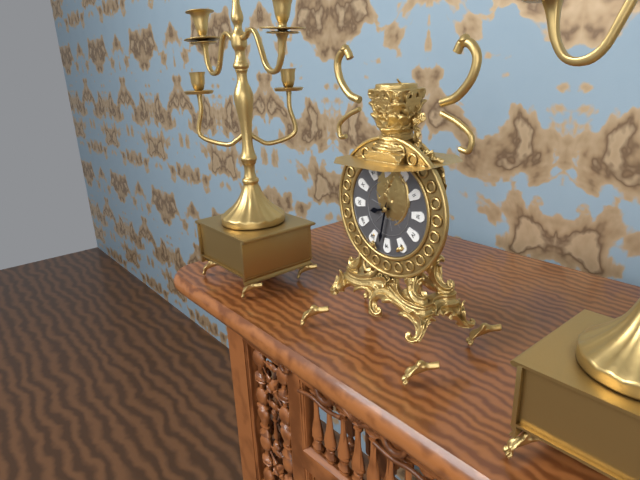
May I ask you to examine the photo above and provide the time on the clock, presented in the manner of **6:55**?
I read **8:32**
